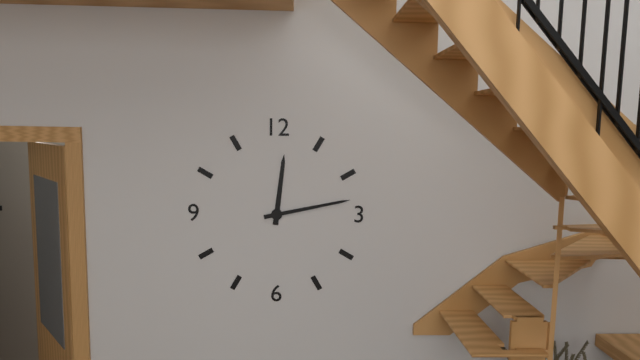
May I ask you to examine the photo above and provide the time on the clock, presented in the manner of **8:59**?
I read **12:13**
